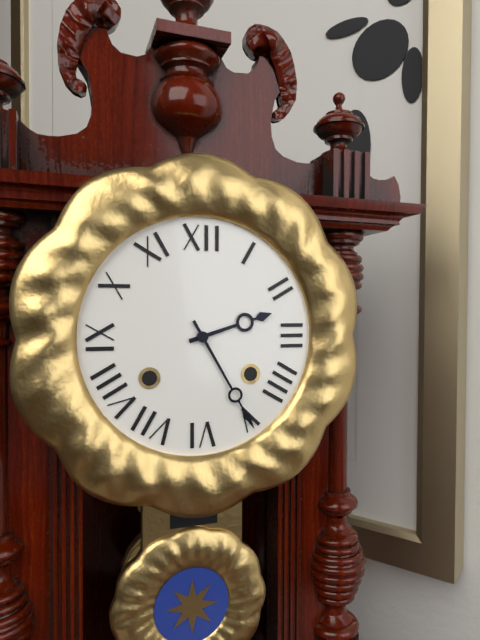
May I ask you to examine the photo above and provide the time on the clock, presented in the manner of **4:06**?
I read **2:25**
